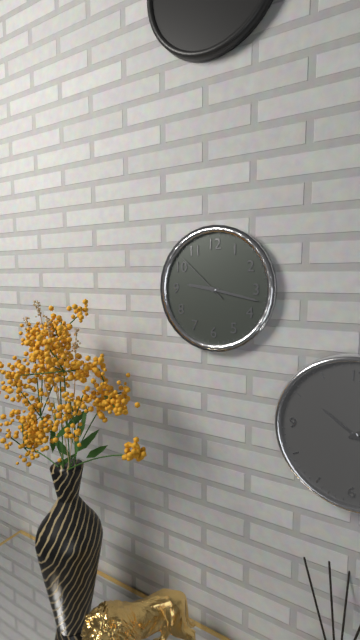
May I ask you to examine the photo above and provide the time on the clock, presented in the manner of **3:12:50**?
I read **9:17:52**
